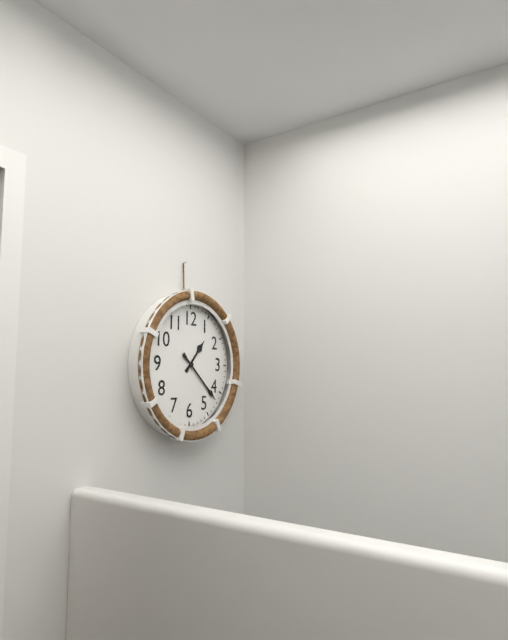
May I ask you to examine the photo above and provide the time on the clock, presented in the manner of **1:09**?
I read **1:22**
